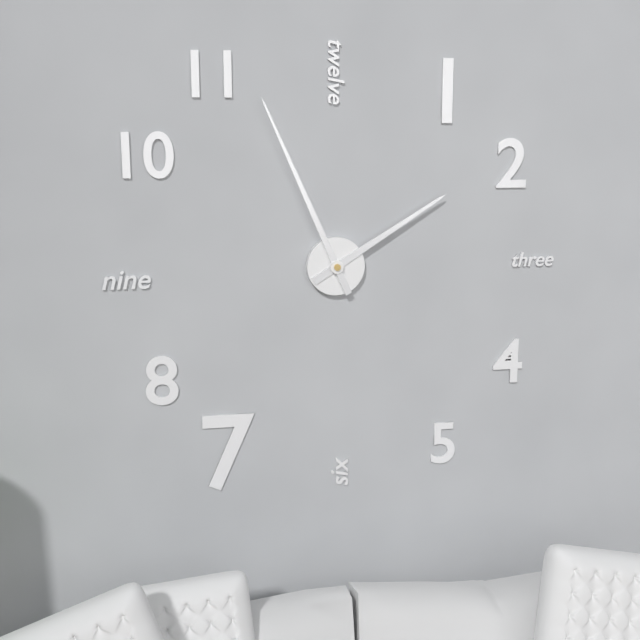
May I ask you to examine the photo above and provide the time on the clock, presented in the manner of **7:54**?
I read **1:56**
